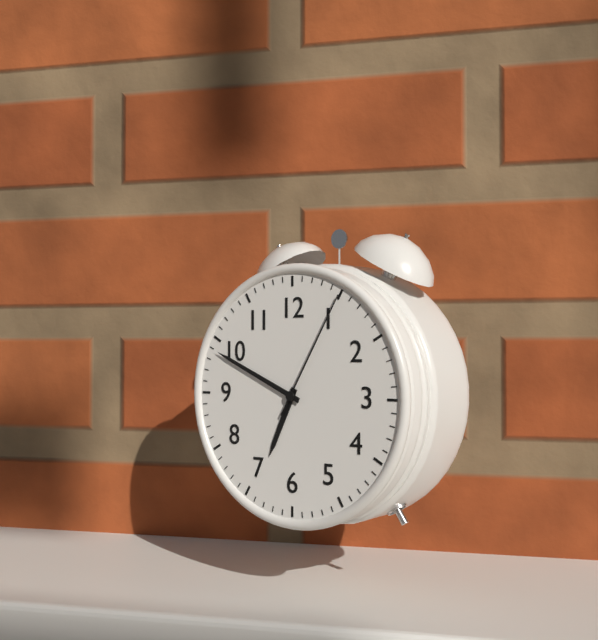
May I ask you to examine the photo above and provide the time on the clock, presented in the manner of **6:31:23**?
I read **6:49:05**
